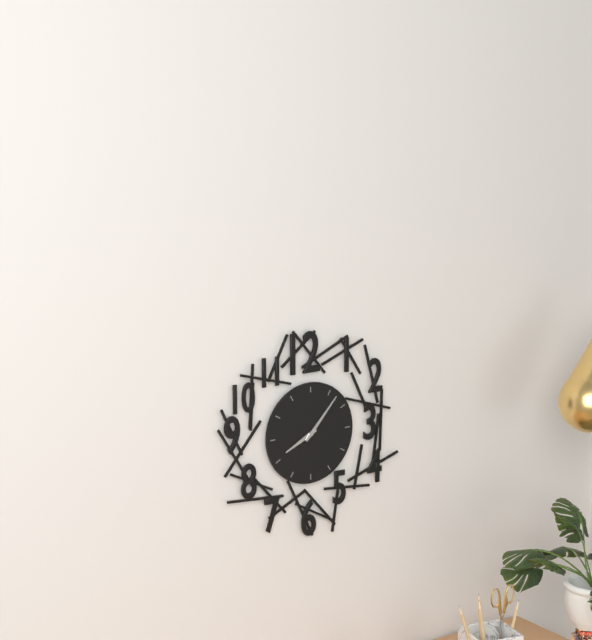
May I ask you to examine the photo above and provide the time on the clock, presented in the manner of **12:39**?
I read **8:07**
